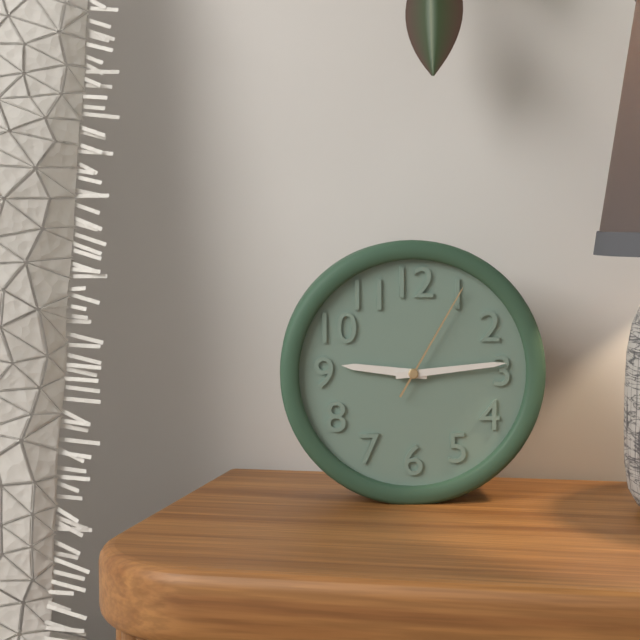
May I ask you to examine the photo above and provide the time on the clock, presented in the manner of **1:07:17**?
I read **9:14:05**
